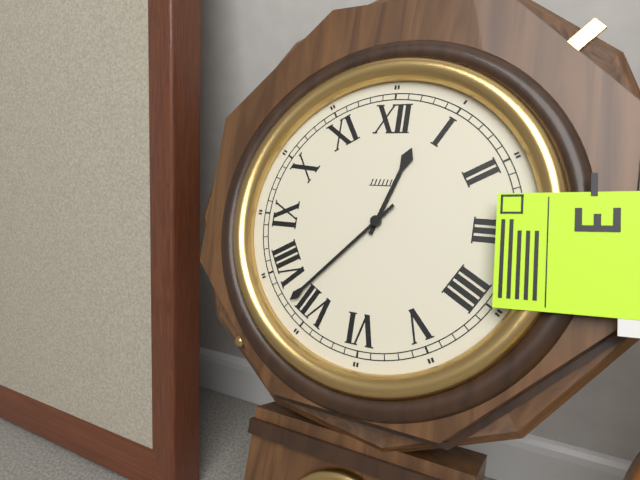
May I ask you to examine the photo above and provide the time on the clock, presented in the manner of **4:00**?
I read **12:37**
